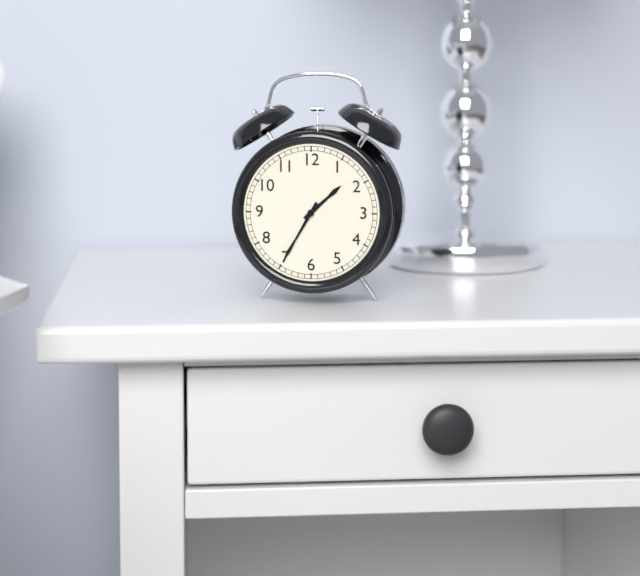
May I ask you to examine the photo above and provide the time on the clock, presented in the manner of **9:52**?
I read **1:35**
